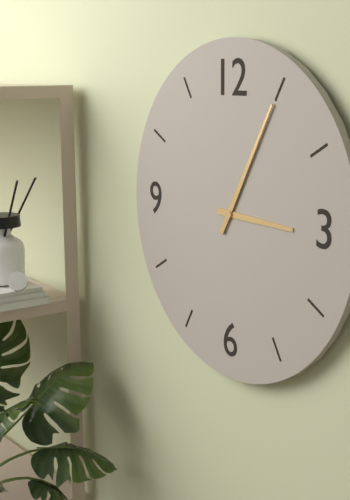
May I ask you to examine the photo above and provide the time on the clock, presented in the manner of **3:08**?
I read **3:05**
